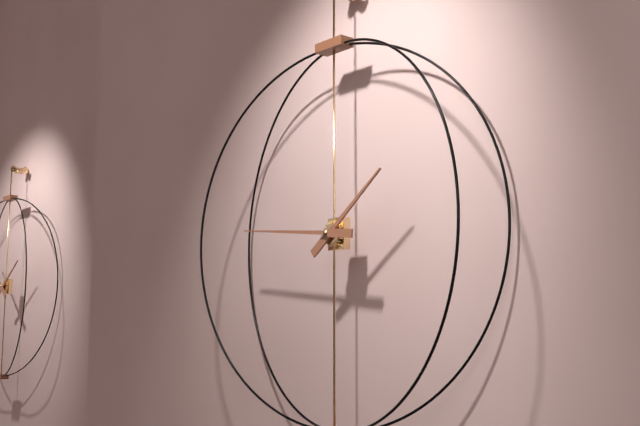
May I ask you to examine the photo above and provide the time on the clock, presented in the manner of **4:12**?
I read **1:46**
